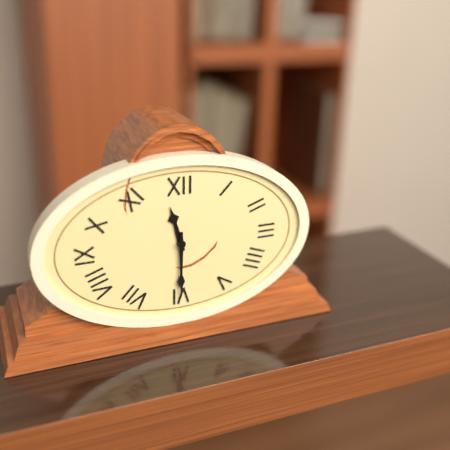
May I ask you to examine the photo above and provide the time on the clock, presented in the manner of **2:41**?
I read **11:30**
